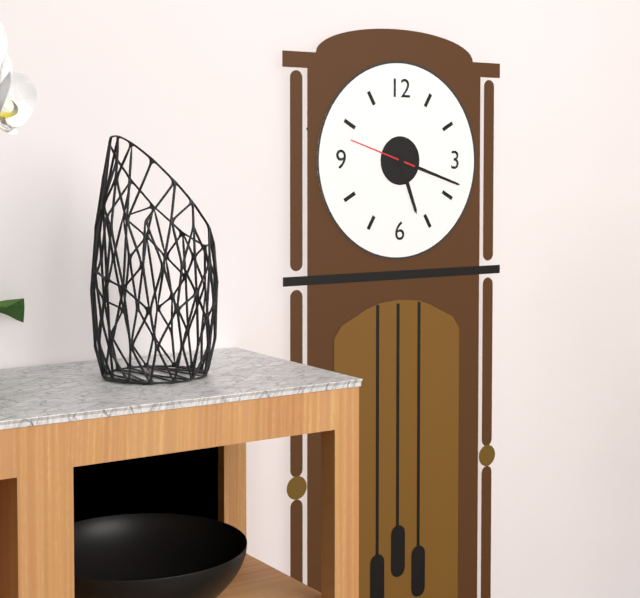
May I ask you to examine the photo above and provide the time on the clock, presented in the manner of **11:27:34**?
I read **5:18:48**
